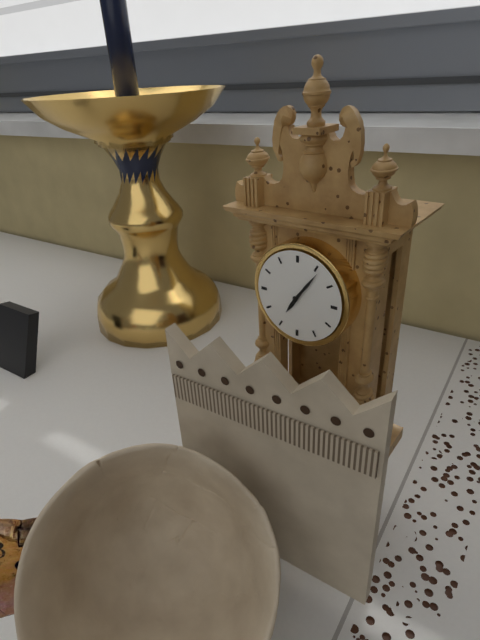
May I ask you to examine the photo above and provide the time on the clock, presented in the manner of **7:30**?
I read **7:06**
